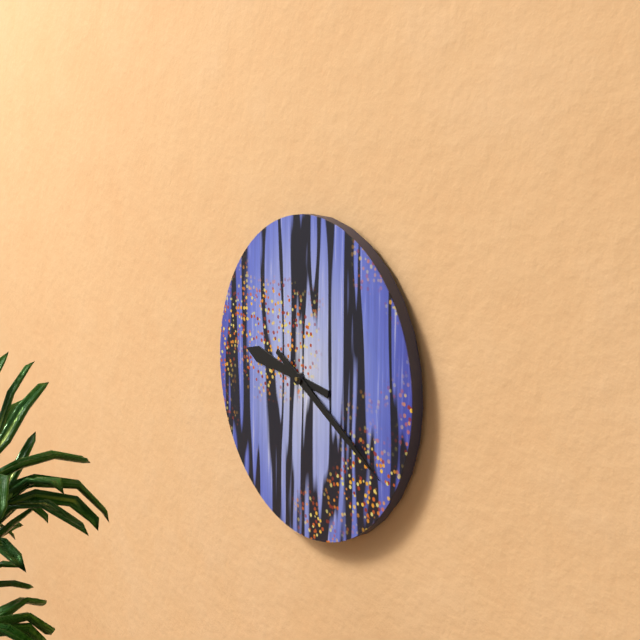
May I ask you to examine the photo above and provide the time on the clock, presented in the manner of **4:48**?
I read **9:20**
